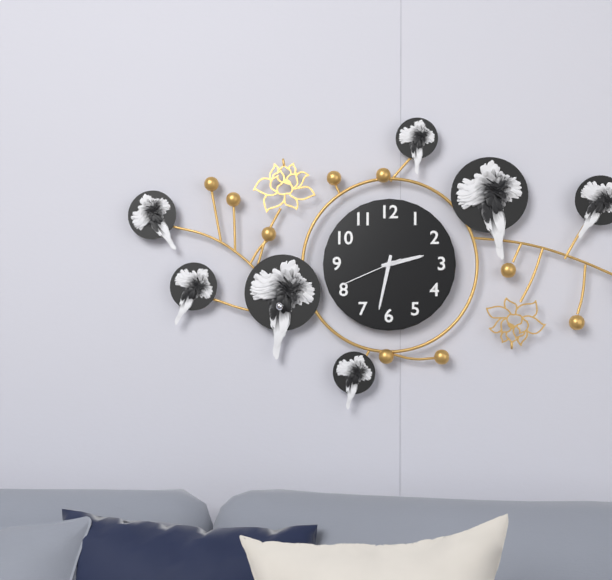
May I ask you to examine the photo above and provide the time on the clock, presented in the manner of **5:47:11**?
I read **2:32:41**
